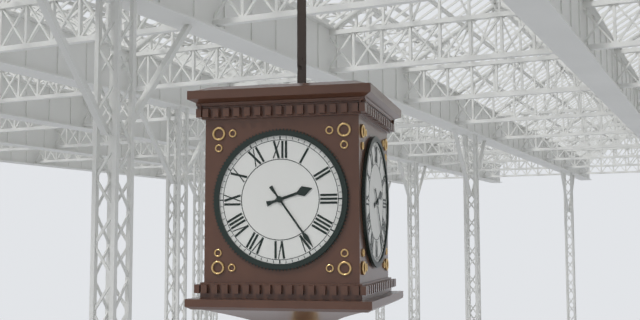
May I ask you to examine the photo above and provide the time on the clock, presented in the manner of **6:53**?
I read **2:24**
